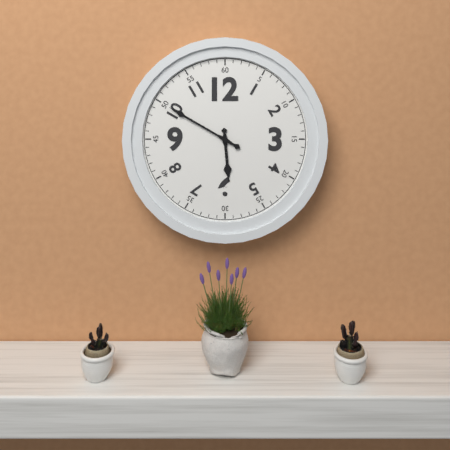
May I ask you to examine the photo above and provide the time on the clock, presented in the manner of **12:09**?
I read **5:50**
